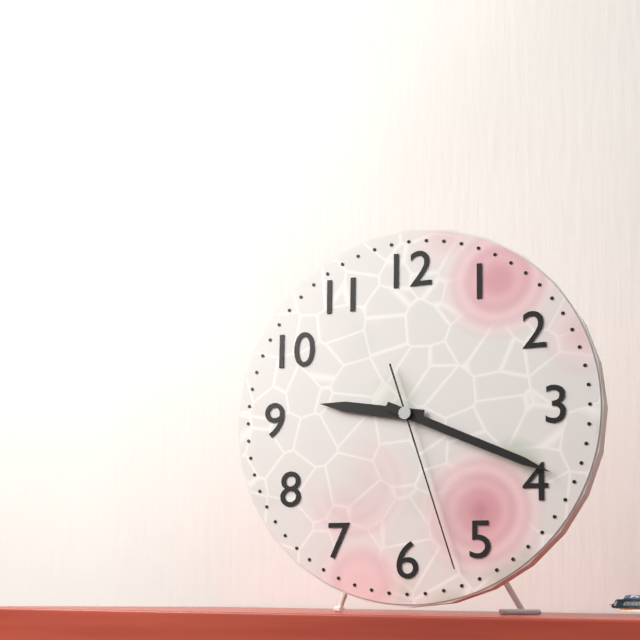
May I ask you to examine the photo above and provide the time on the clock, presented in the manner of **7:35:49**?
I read **9:19:27**
